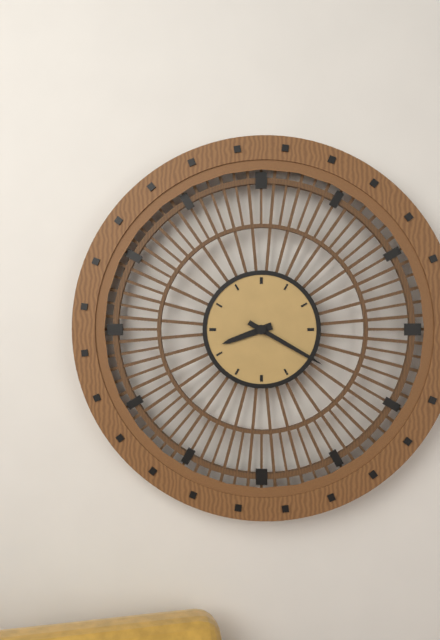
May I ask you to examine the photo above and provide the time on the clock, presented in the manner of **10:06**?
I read **8:20**
